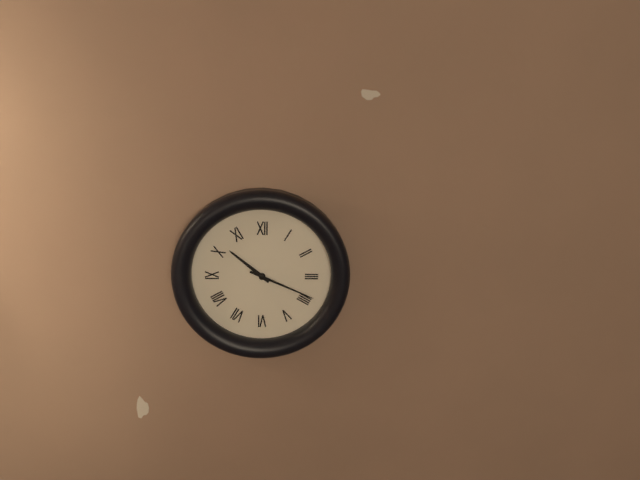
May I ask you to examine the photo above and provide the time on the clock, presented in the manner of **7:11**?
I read **10:19**
